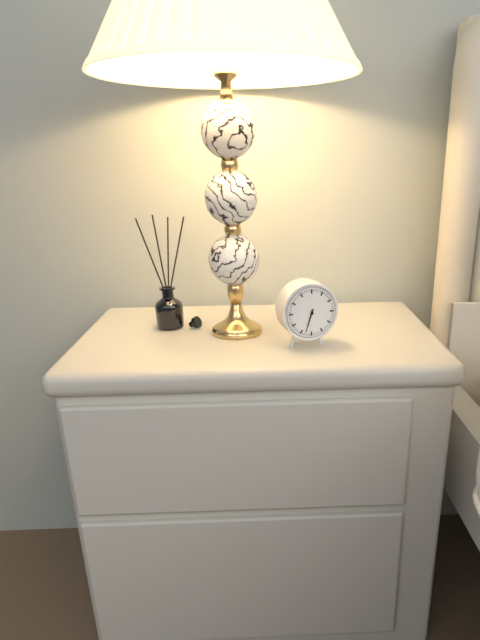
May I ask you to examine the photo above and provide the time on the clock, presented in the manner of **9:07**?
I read **6:33**
